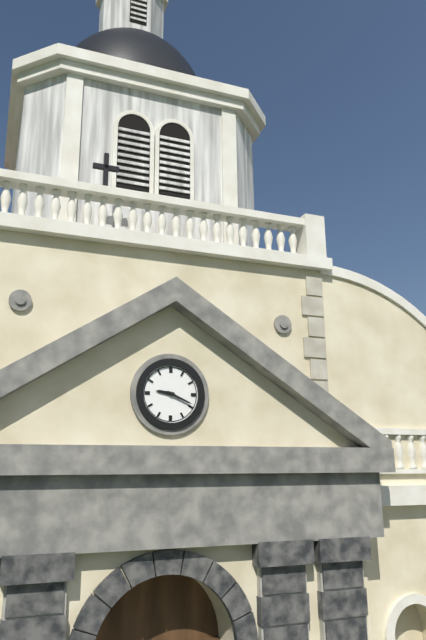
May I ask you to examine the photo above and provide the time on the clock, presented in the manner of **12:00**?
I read **9:19**
